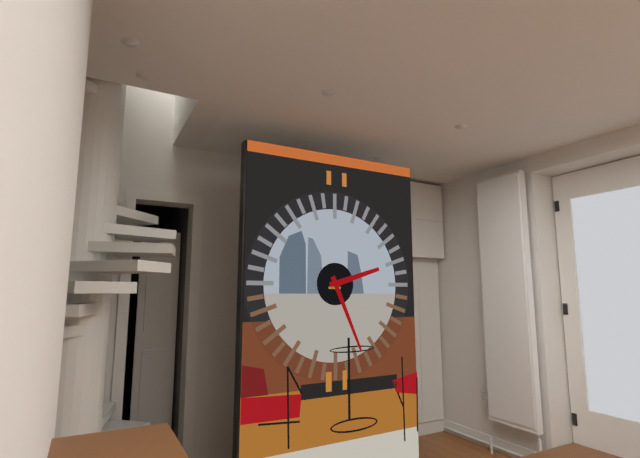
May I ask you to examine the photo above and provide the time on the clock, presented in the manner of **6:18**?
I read **2:26**
